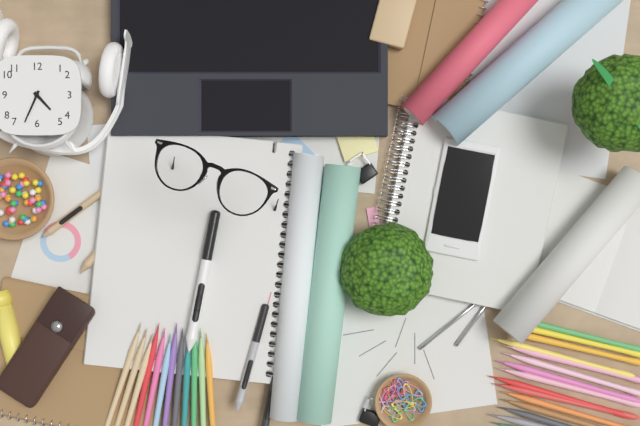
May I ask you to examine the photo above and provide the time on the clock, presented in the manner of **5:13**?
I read **4:34**
